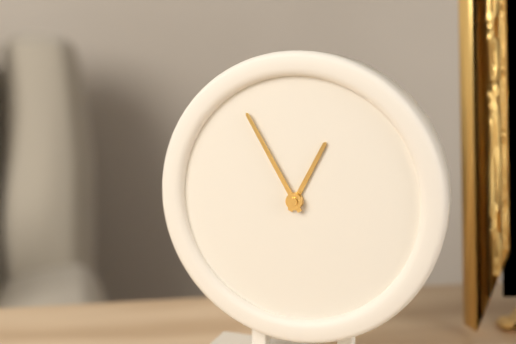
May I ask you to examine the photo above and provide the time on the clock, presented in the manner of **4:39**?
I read **12:55**
